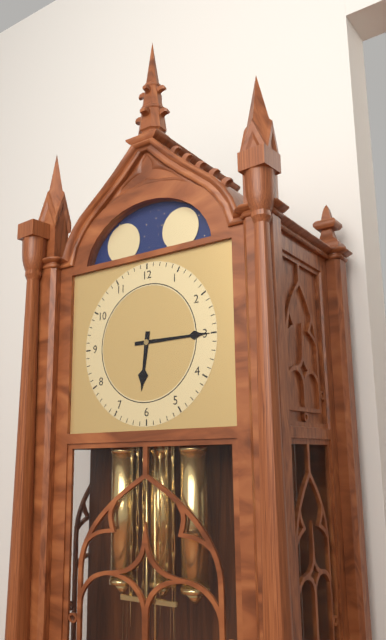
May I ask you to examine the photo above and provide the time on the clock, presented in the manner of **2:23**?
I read **6:15**
